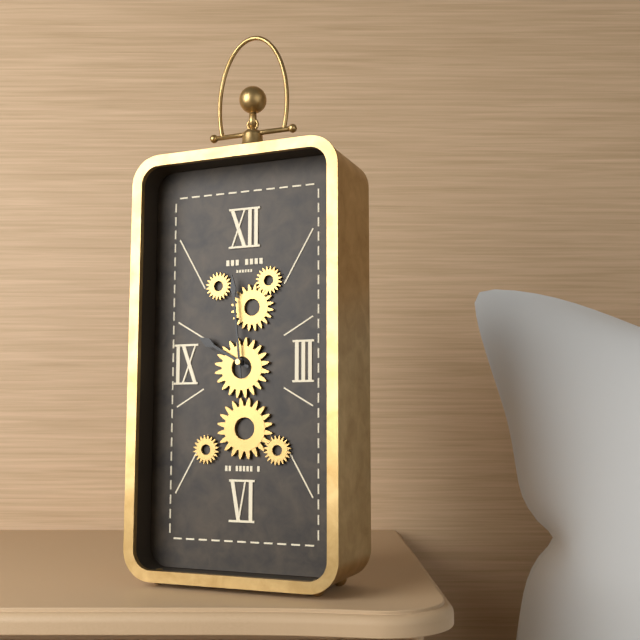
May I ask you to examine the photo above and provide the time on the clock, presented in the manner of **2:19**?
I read **9:59**
